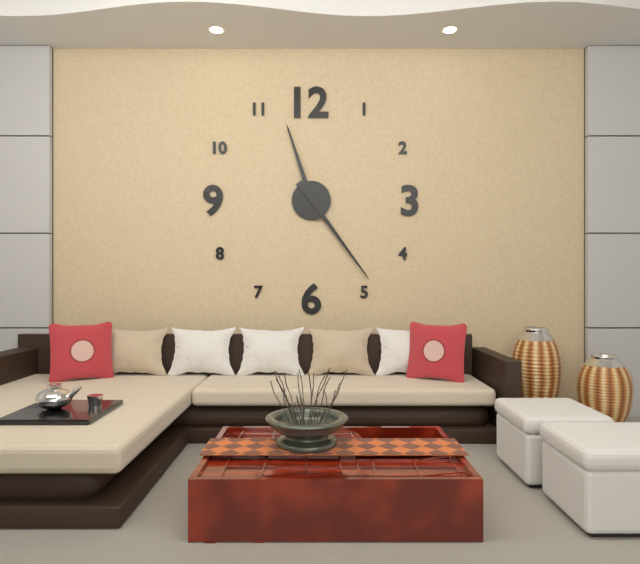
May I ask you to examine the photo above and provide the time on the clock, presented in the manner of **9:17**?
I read **11:24**
